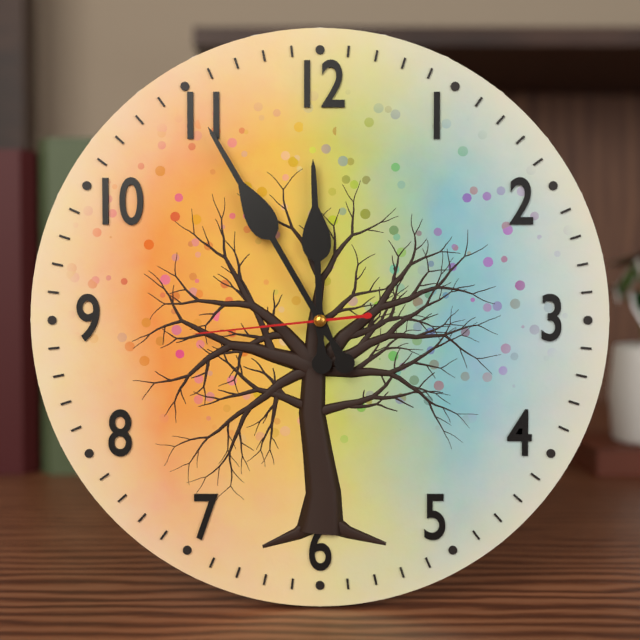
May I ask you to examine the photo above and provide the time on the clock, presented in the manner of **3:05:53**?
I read **11:55:44**
